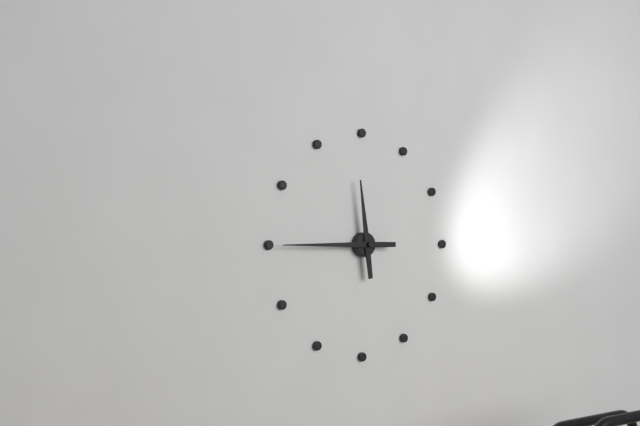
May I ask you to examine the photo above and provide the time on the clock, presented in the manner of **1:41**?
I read **11:45**
